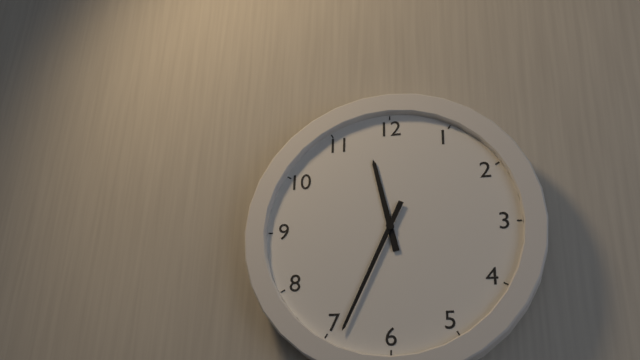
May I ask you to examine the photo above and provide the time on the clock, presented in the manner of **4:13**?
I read **11:34**
